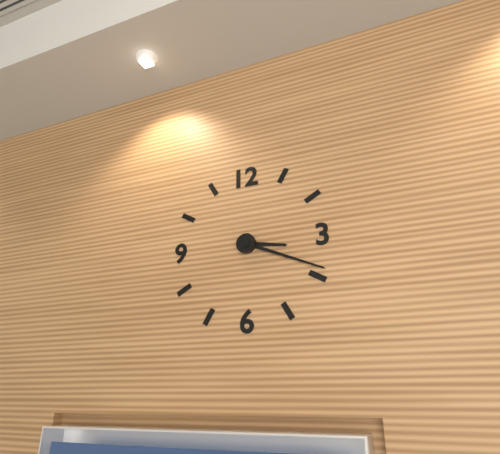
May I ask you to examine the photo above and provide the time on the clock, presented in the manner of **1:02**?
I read **3:19**
